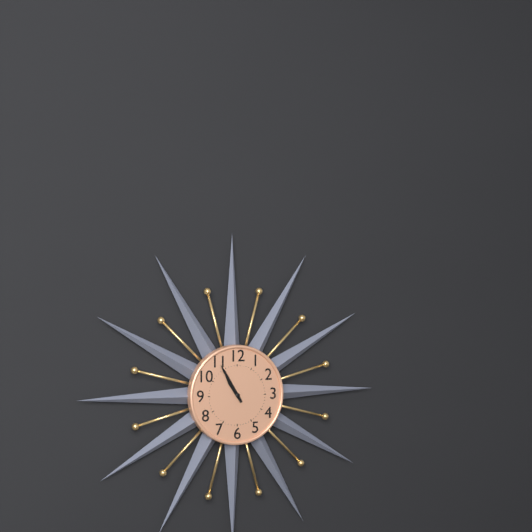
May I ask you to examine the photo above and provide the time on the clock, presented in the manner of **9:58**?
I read **10:55**
